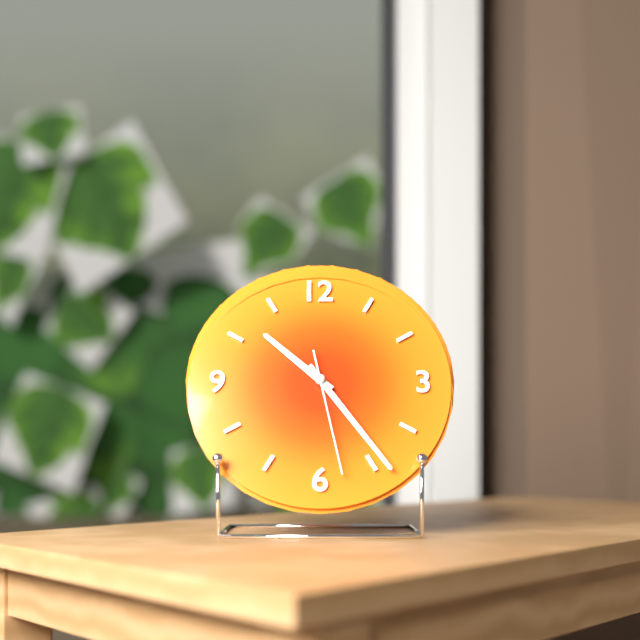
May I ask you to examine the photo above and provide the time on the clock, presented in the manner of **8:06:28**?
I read **10:24:28**
